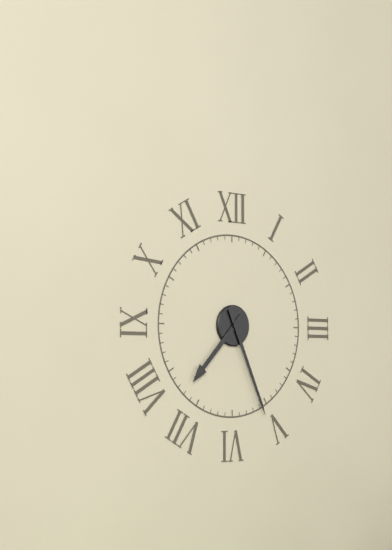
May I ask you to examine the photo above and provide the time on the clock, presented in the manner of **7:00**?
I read **7:26**
